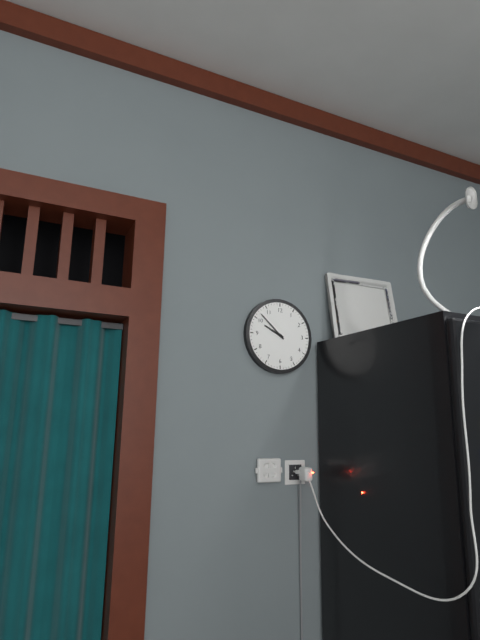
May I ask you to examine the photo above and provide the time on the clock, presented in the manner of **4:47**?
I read **9:52**
